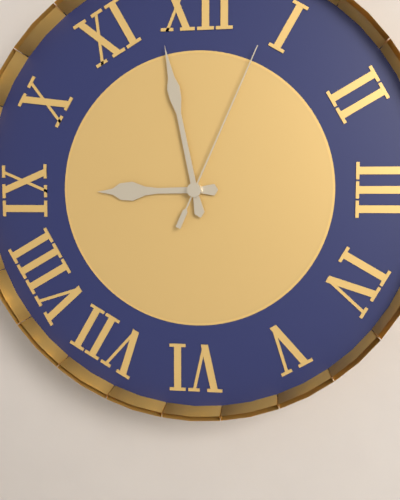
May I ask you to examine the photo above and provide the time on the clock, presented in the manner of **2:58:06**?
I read **8:58:04**
